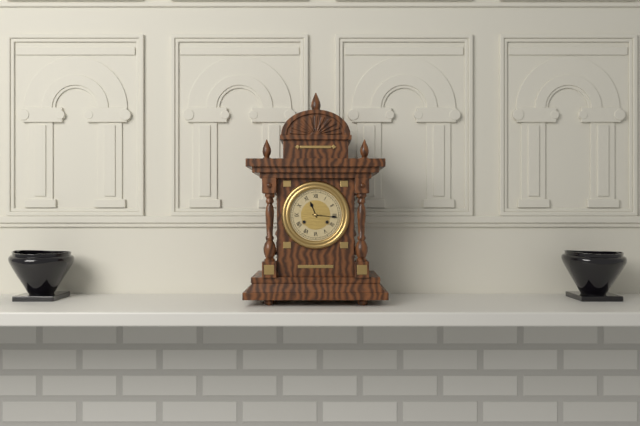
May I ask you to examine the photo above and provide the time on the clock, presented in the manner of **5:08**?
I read **11:16**
